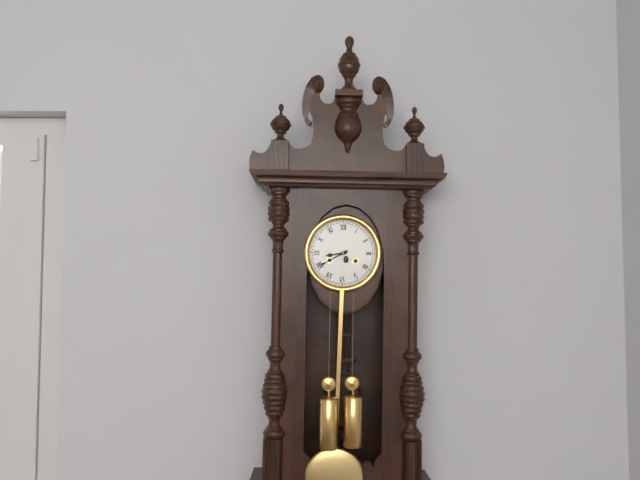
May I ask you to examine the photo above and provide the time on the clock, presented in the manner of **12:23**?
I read **8:40**
